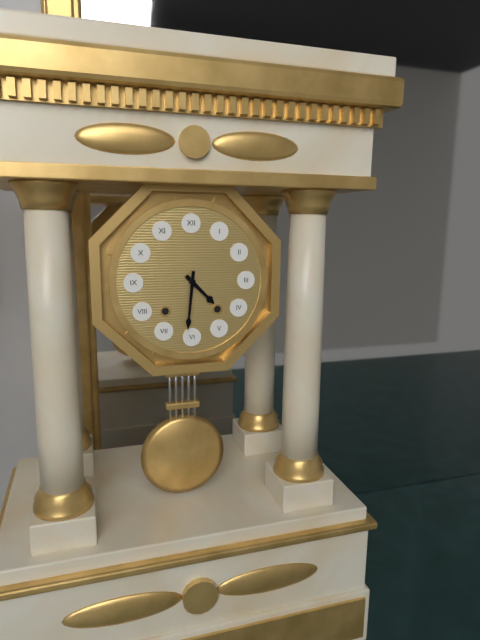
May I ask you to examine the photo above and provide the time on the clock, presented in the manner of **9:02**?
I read **4:31**
